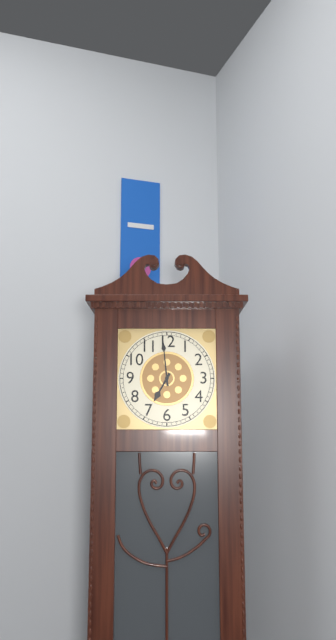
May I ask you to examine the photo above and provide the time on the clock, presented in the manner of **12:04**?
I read **6:59**
